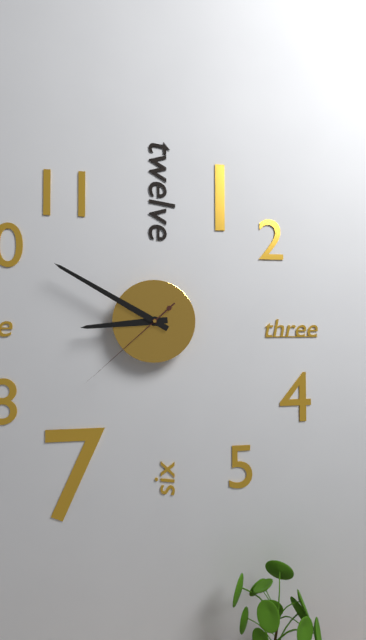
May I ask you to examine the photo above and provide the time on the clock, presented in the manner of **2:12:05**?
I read **8:50:38**
